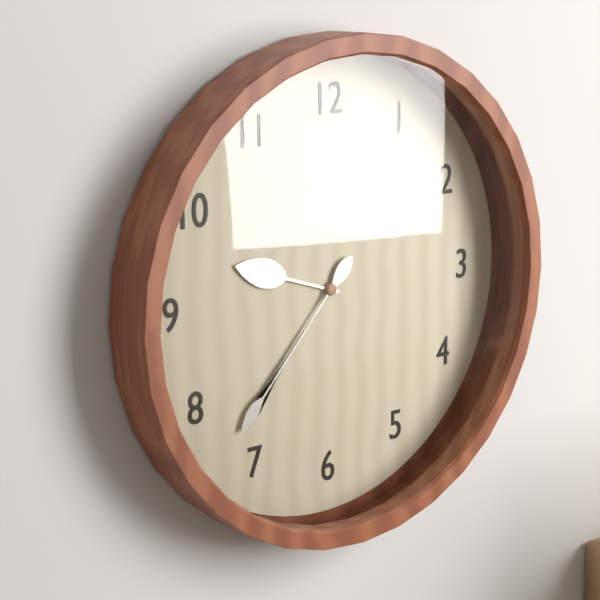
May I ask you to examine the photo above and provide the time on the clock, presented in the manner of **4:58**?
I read **9:37**
